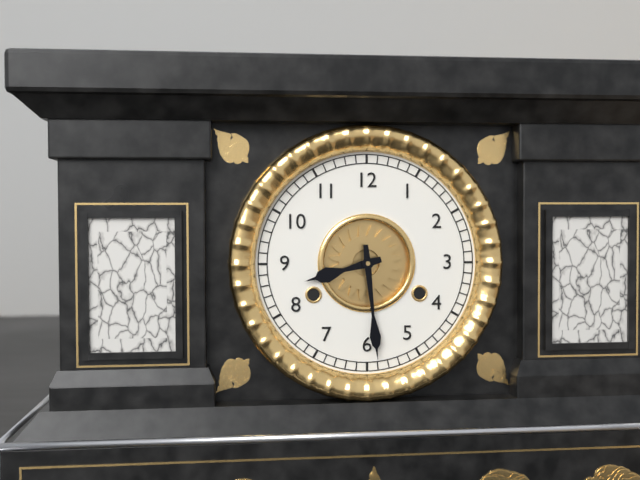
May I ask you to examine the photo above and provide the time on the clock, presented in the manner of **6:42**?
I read **8:29**
